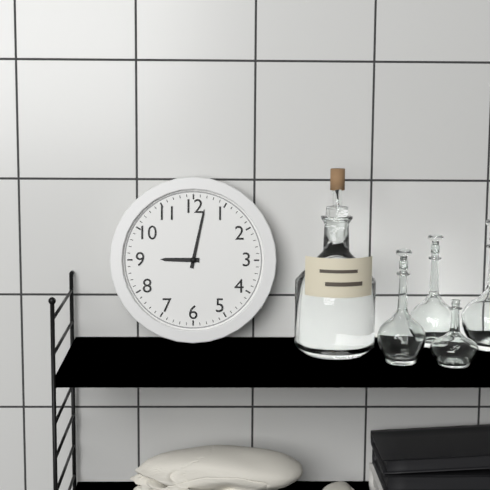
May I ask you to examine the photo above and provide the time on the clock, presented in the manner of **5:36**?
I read **9:02**
